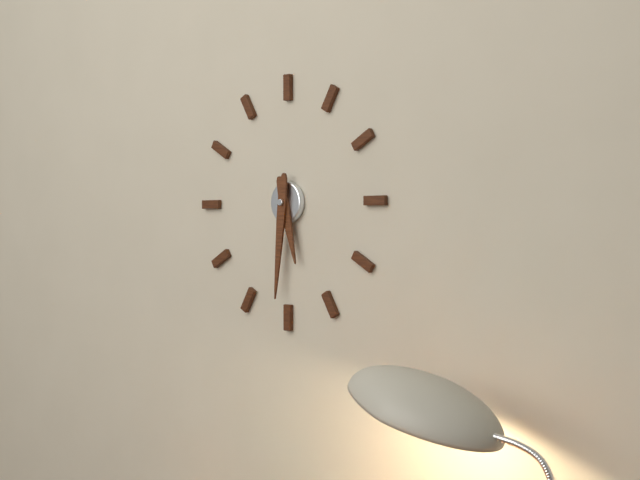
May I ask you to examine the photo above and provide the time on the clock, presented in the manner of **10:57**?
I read **5:31**
